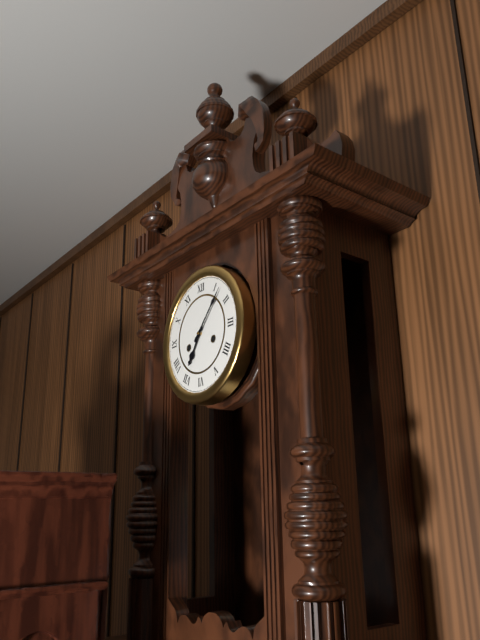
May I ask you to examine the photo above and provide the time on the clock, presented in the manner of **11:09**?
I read **7:07**
